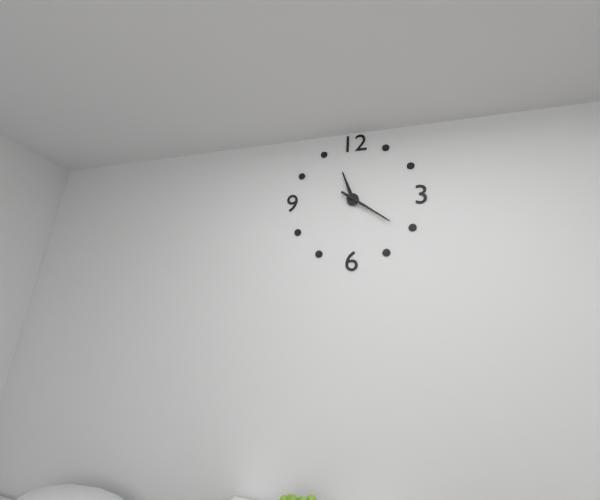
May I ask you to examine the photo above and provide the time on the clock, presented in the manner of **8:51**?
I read **11:21**
